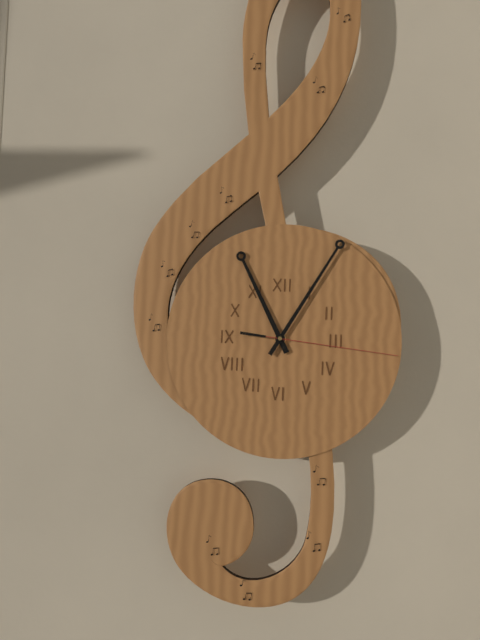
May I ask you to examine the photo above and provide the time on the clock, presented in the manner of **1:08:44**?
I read **11:05:16**
